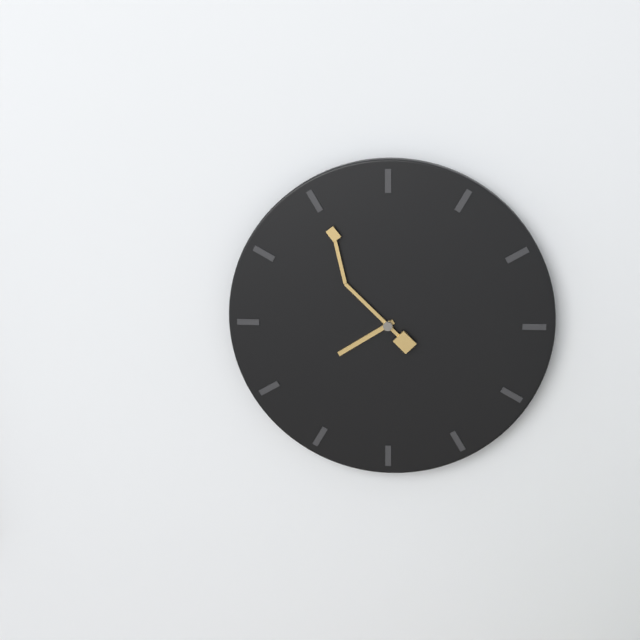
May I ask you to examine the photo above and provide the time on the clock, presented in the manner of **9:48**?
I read **7:55**
